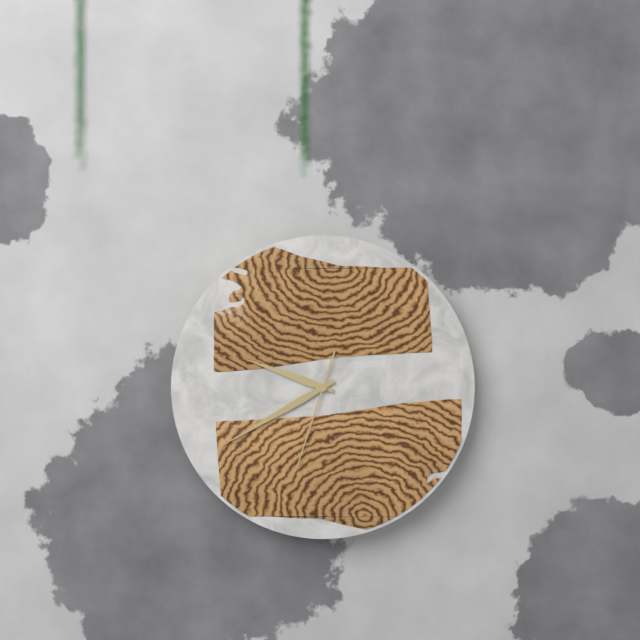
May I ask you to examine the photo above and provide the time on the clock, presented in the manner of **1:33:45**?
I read **9:40:33**
